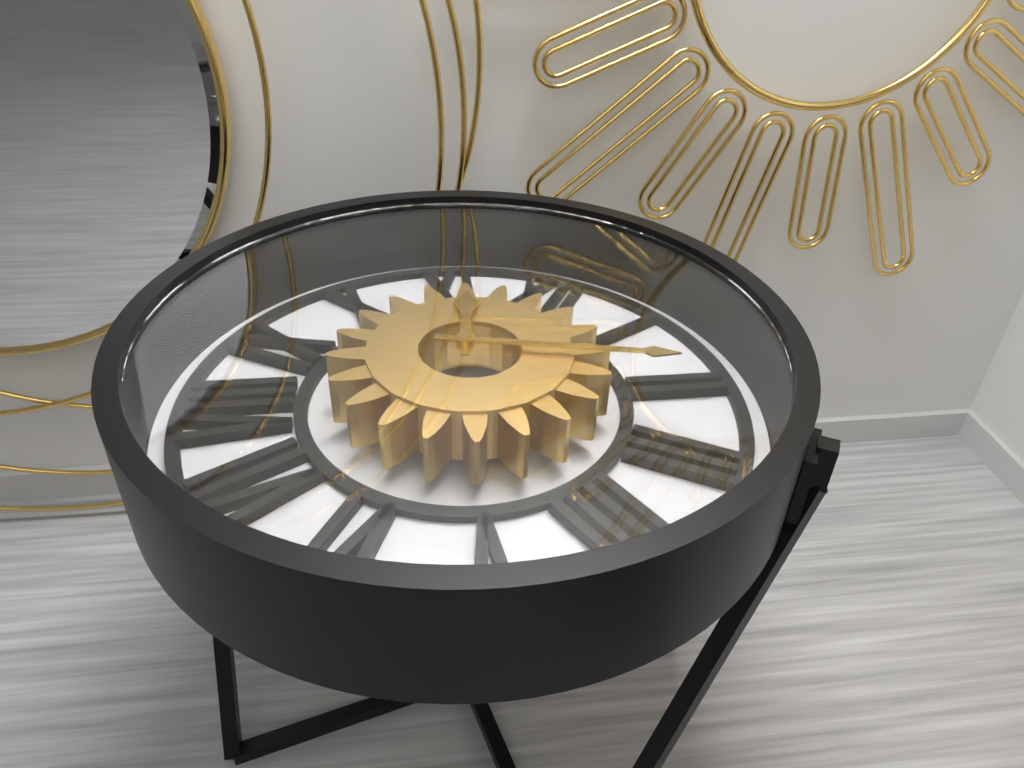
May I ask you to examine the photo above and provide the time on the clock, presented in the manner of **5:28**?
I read **11:12**
